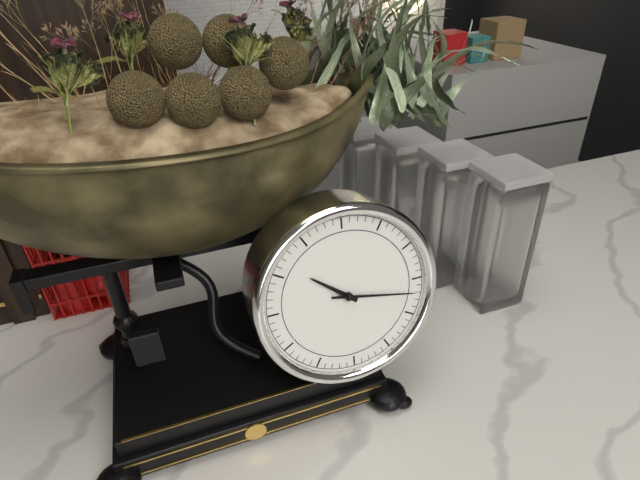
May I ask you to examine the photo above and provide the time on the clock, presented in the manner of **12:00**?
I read **10:17**
